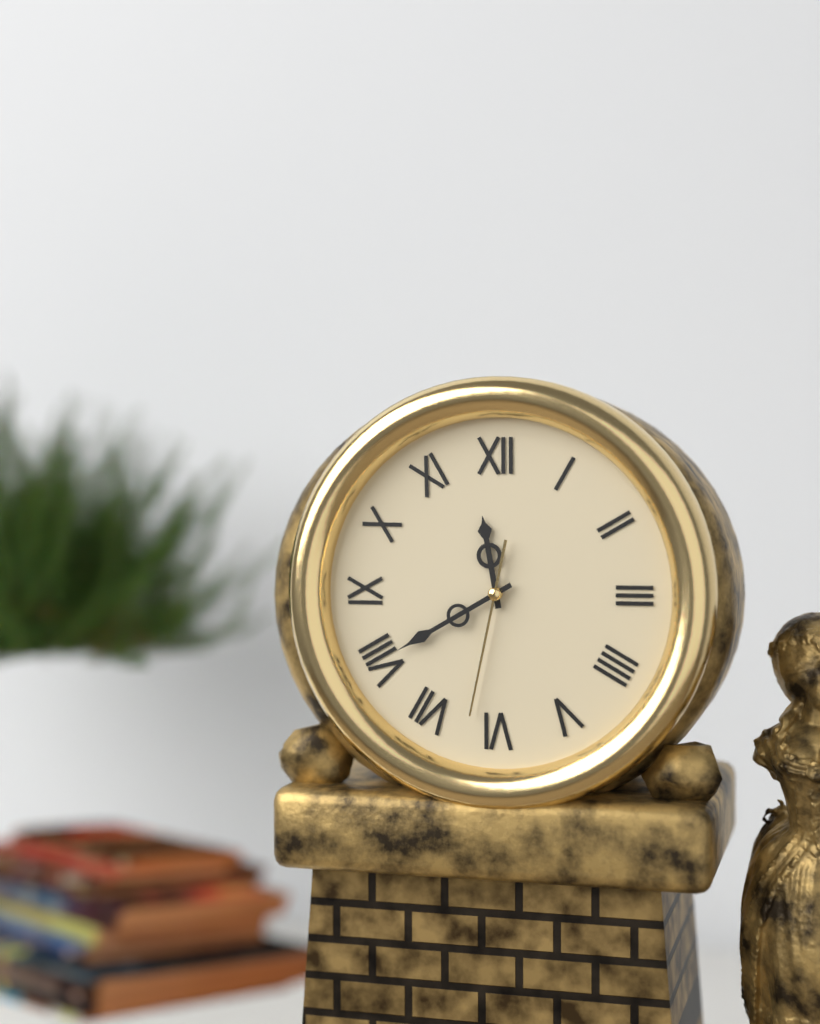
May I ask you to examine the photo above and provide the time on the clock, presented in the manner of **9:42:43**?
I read **11:40:32**
